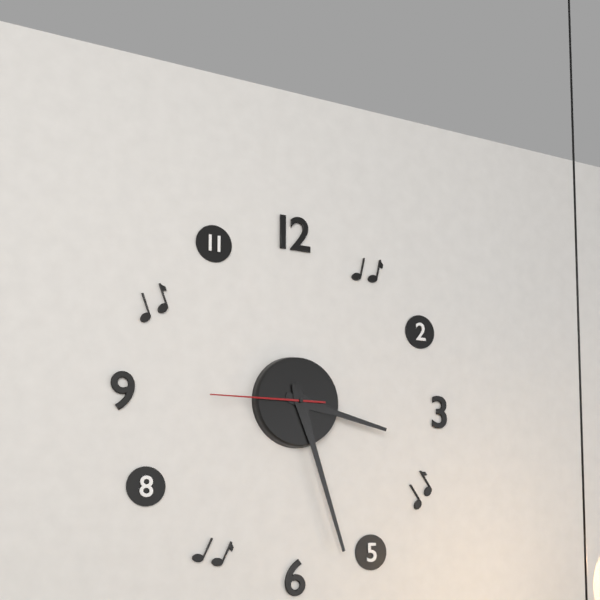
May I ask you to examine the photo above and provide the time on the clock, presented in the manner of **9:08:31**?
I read **3:27:45**
